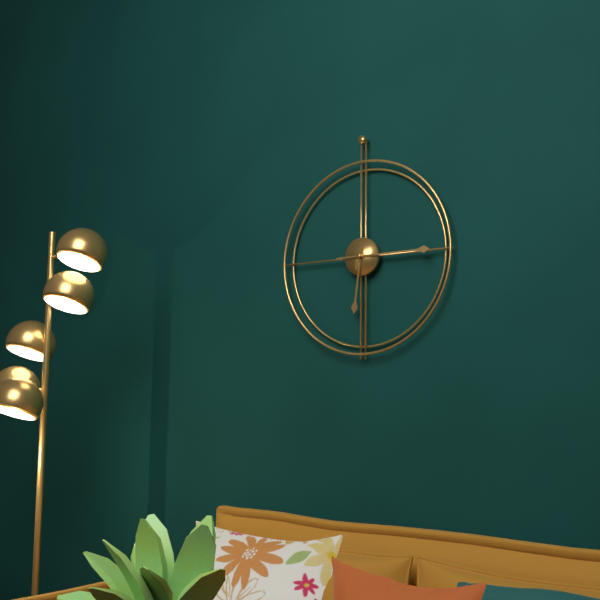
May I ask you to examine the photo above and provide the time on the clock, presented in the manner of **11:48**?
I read **6:15**
